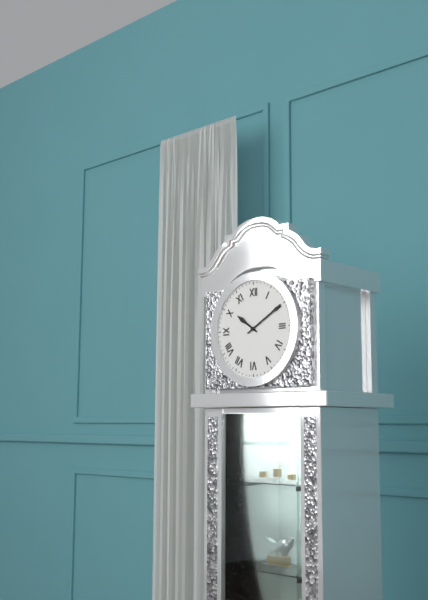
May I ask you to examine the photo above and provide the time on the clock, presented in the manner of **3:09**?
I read **10:10**
